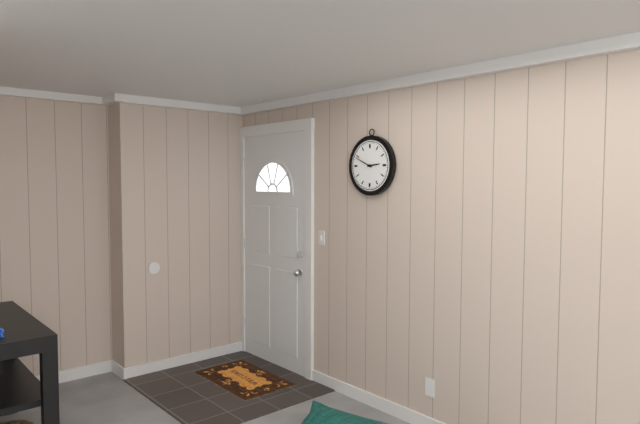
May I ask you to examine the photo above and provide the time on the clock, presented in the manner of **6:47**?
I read **2:49**
